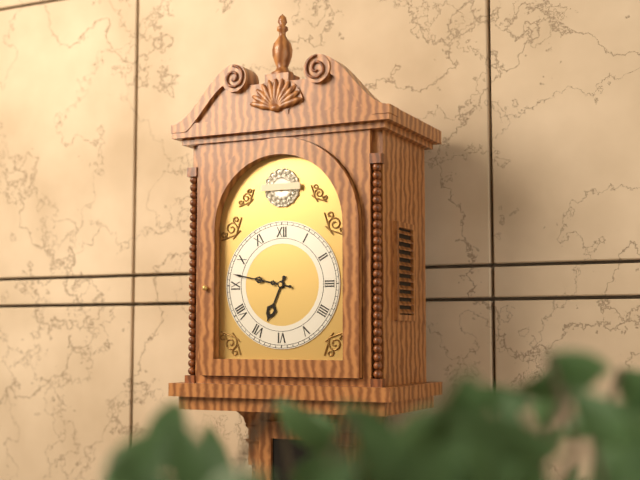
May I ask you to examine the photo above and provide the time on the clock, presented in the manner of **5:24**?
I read **6:47**
